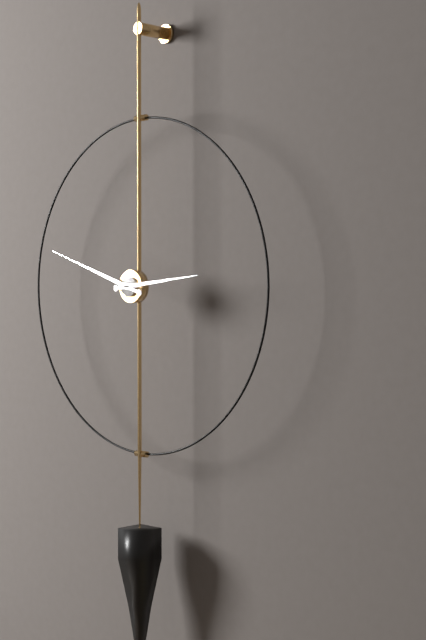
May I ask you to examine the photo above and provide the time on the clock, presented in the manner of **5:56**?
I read **2:48**
